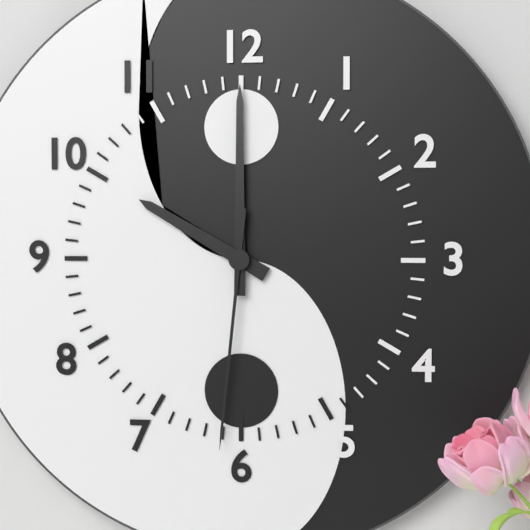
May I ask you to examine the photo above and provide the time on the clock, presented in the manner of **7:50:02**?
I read **10:00:31**
